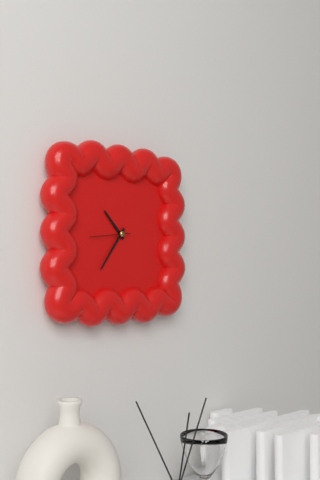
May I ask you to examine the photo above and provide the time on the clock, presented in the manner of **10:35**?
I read **10:36**
